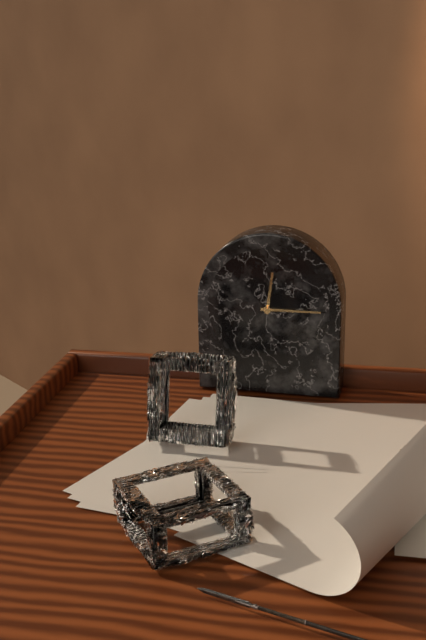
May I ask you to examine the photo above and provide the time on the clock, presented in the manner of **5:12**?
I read **12:15**
